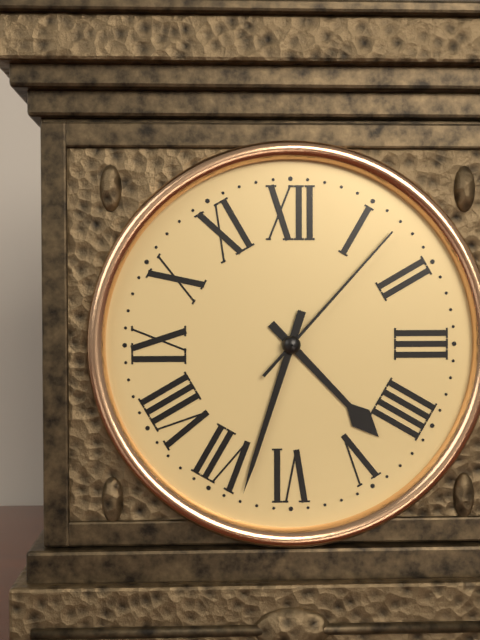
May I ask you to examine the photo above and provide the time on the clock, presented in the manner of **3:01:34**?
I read **4:33:07**
